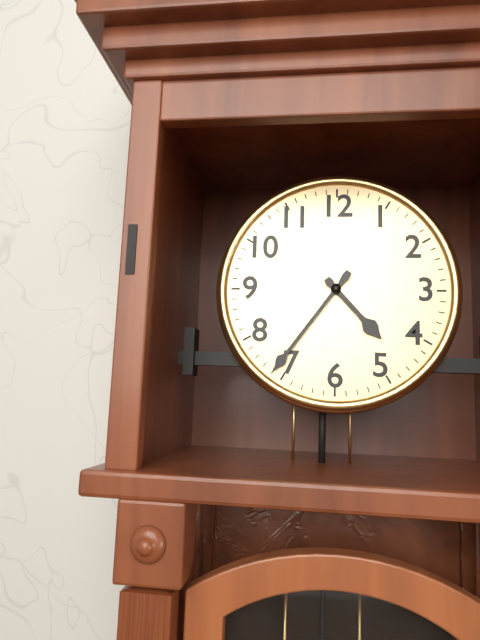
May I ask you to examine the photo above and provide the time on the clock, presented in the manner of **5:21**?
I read **4:36**
